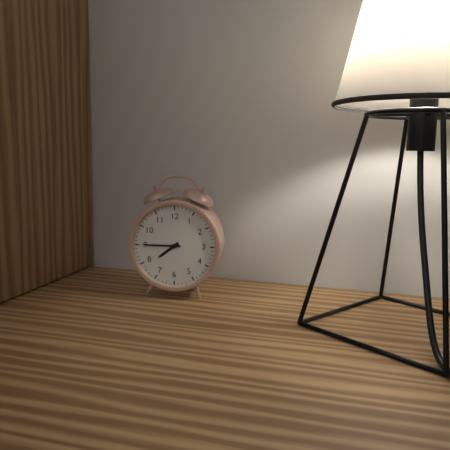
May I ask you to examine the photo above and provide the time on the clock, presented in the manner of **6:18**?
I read **7:45**
